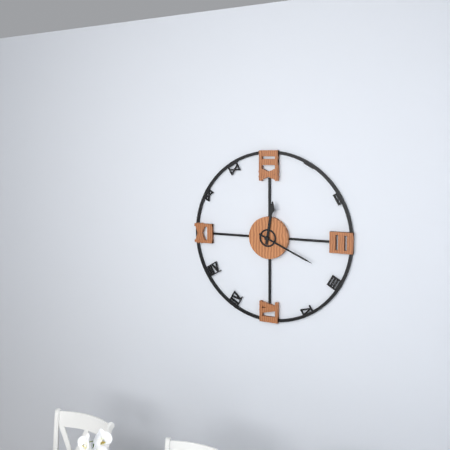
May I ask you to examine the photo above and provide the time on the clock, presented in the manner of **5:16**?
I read **12:19**
